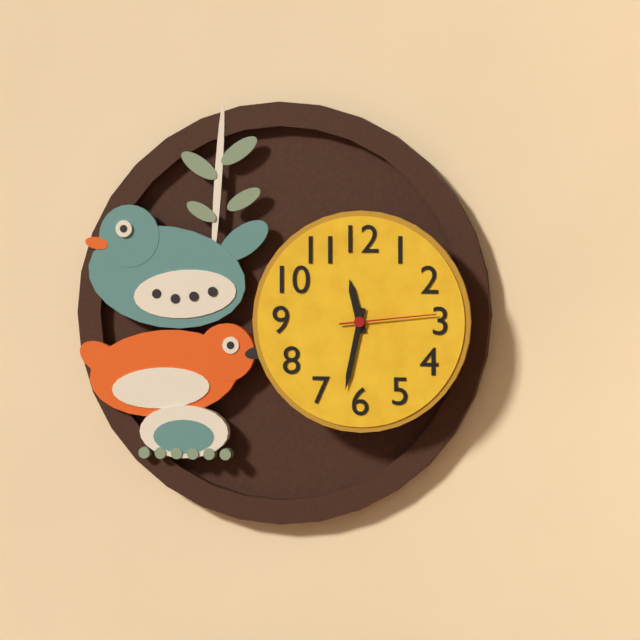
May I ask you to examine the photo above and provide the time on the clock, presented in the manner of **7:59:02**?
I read **11:32:14**
